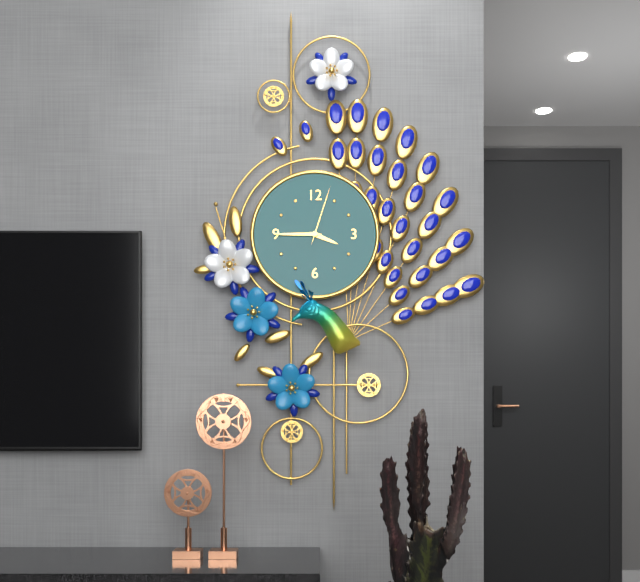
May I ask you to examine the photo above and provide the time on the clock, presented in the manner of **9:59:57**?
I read **3:45:03**
